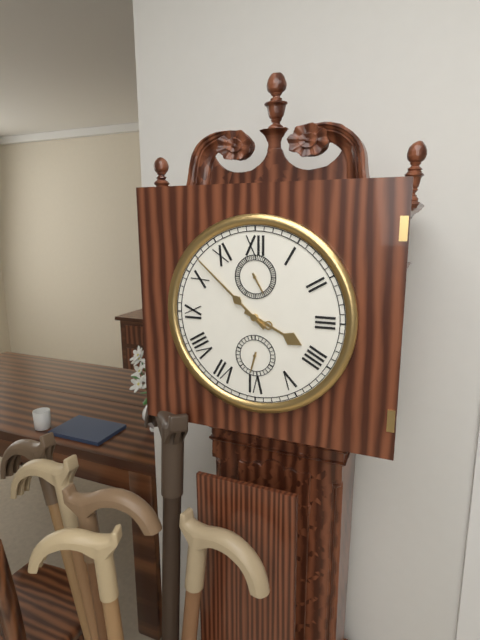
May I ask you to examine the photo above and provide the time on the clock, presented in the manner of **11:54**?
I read **3:52**
